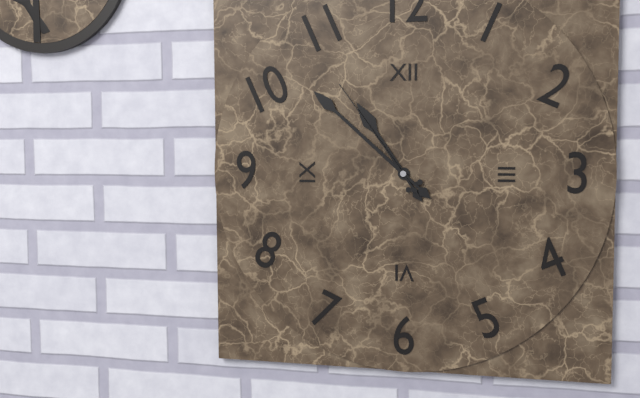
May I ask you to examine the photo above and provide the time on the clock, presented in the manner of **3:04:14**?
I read **10:52:54**
